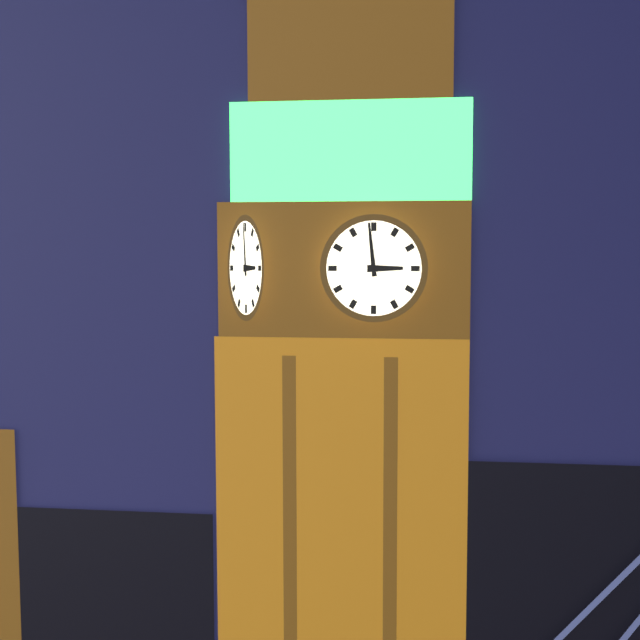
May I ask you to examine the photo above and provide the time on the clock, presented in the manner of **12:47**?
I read **2:59**
